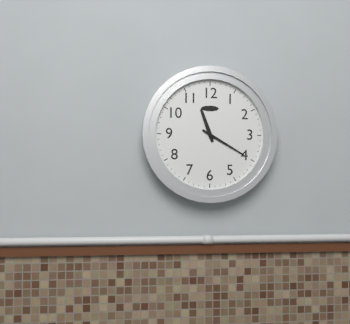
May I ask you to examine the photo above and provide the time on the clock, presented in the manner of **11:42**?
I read **11:20**
